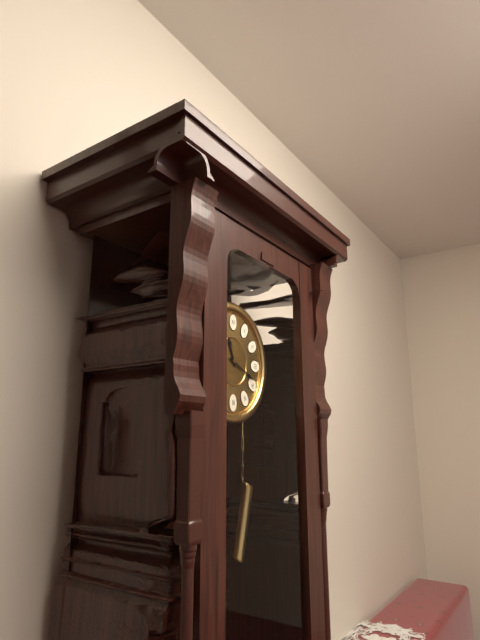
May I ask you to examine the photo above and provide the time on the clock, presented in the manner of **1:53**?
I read **11:19**
